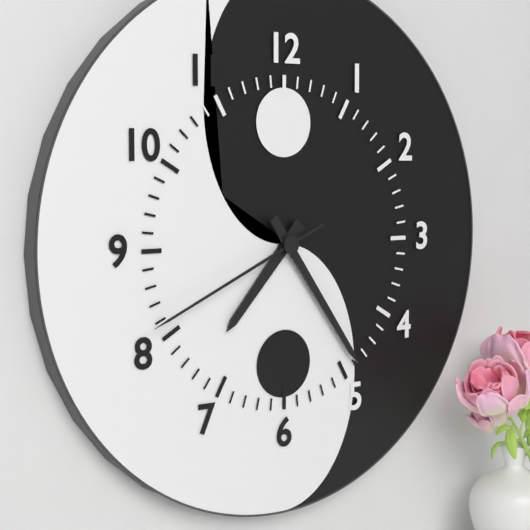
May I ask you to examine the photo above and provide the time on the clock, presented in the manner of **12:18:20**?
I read **7:24:41**
